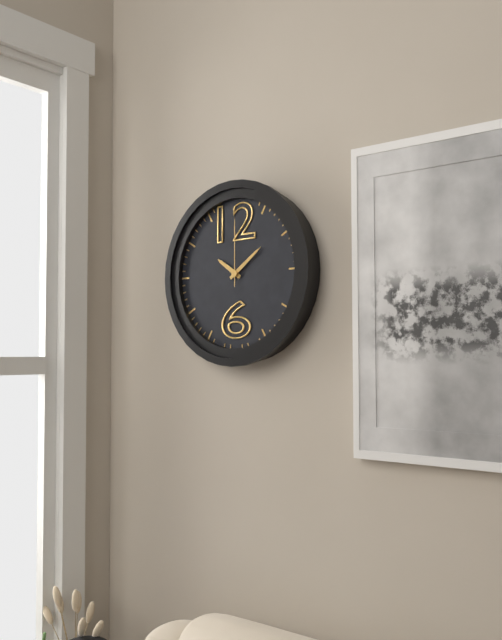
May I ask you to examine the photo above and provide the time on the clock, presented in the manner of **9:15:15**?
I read **10:09:00**
